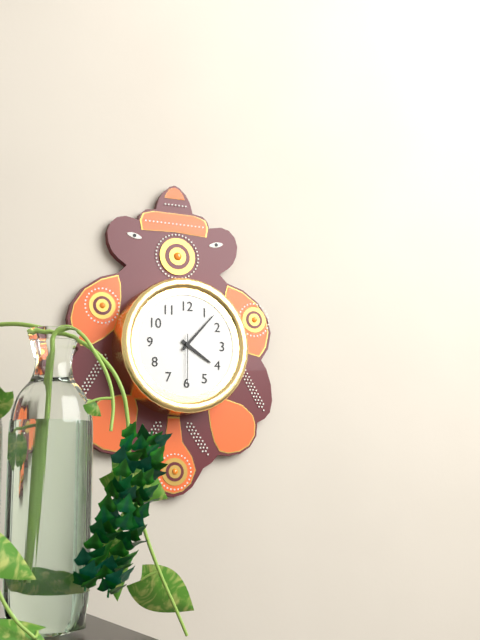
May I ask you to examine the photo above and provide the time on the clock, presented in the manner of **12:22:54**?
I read **4:07:30**
